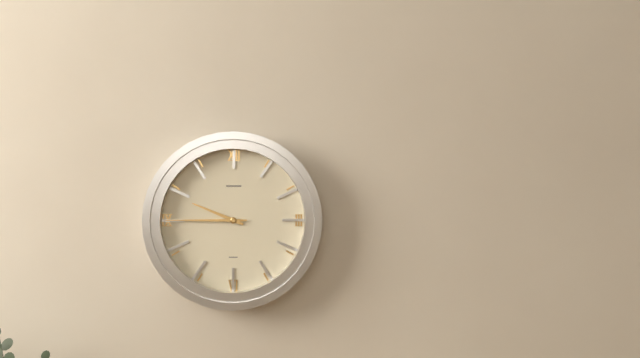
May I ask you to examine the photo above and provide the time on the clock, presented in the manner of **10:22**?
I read **9:45**
